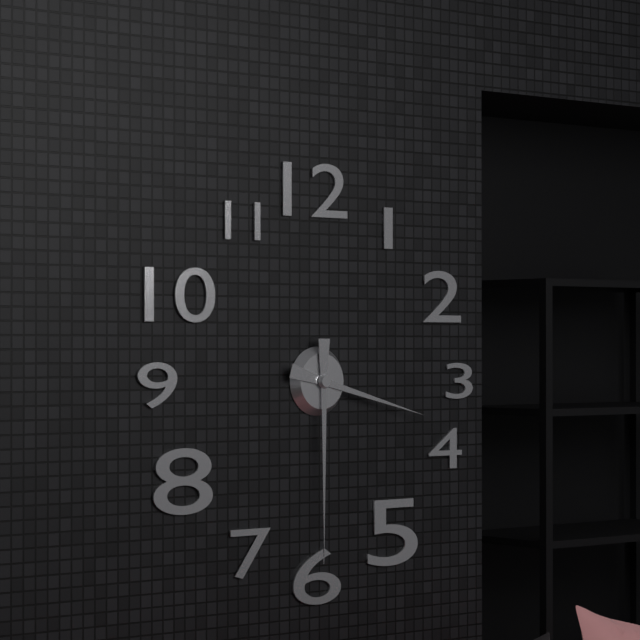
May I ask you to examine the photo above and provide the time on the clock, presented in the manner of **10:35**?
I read **3:30**
